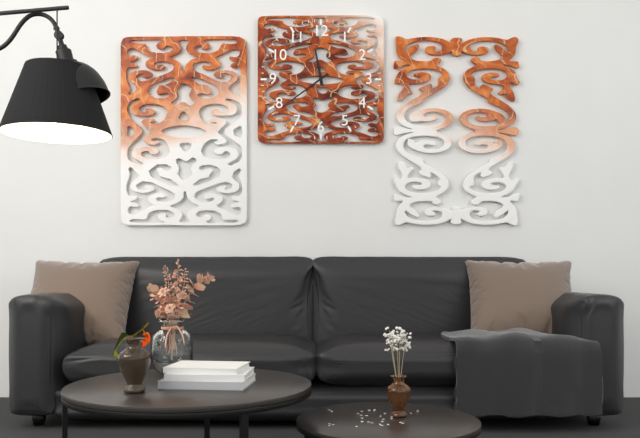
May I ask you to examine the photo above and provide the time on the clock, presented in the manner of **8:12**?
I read **11:39**
